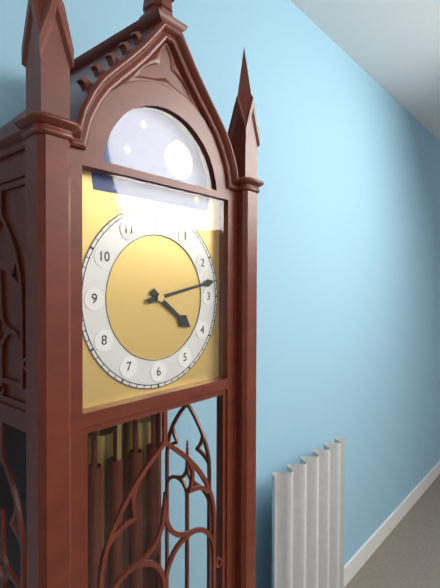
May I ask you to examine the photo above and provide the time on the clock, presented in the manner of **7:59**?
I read **4:13**
